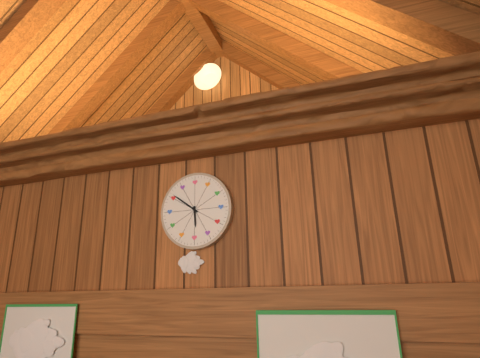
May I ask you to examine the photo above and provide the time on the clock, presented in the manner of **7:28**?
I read **5:51**
